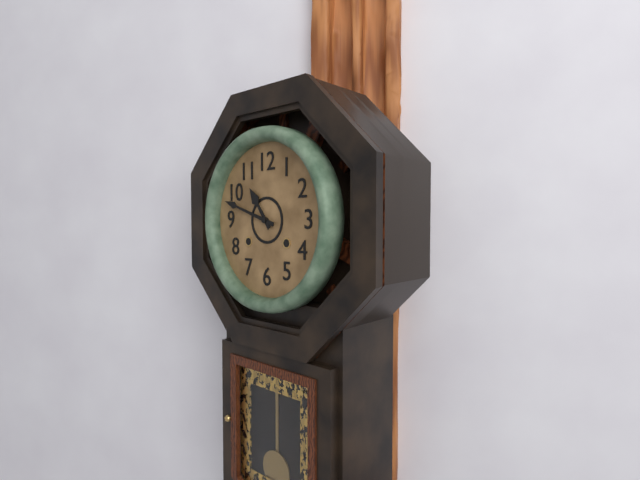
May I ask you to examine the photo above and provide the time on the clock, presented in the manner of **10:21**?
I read **10:48**
